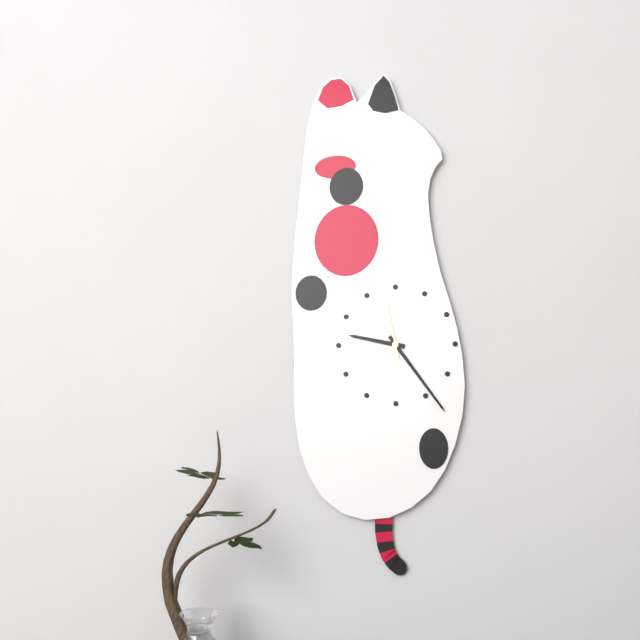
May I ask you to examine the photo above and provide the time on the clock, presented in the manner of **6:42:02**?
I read **9:24:58**
